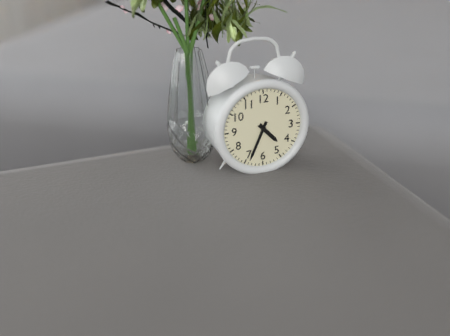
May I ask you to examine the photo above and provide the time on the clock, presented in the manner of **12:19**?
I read **4:34**
